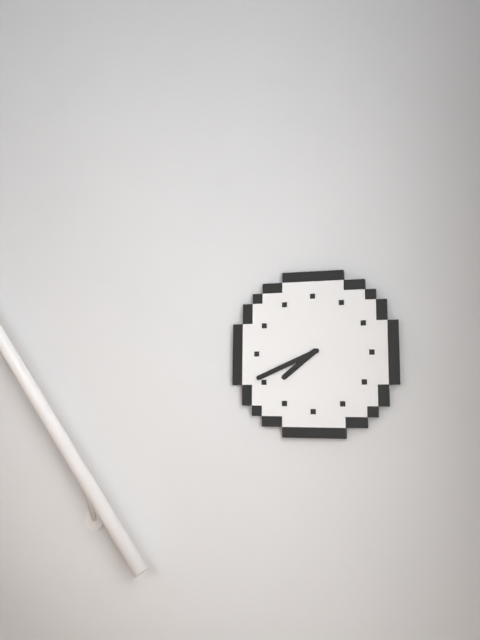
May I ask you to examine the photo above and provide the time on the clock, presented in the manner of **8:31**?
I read **7:41**
